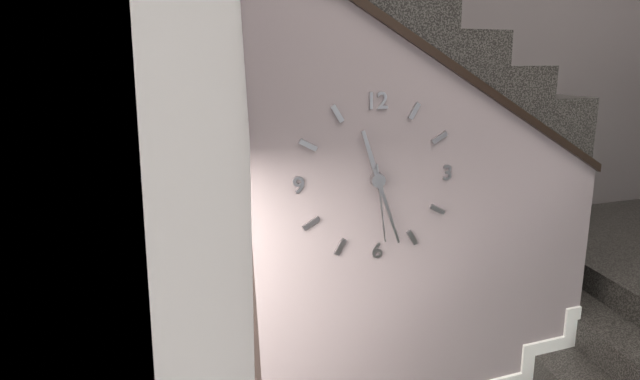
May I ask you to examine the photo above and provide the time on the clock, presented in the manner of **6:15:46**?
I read **11:27:29**
